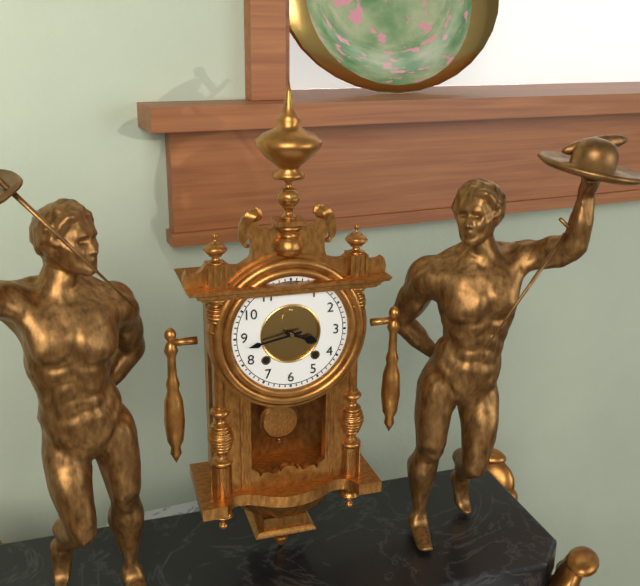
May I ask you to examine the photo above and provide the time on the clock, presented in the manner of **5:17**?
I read **3:43**
